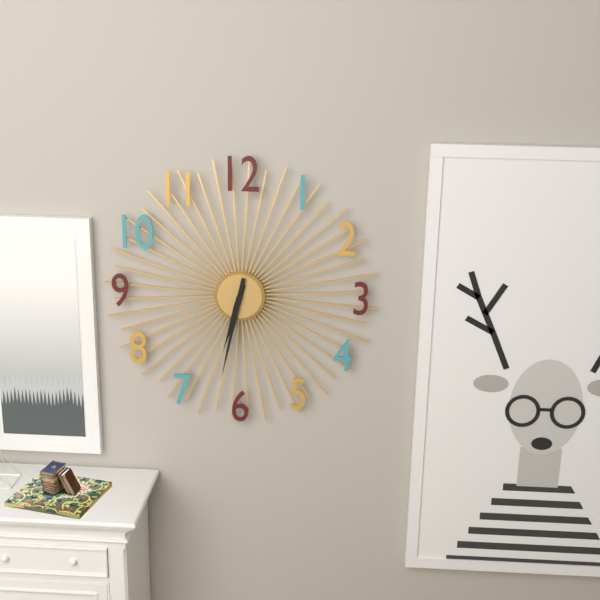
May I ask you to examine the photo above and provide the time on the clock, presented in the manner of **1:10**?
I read **6:32**
